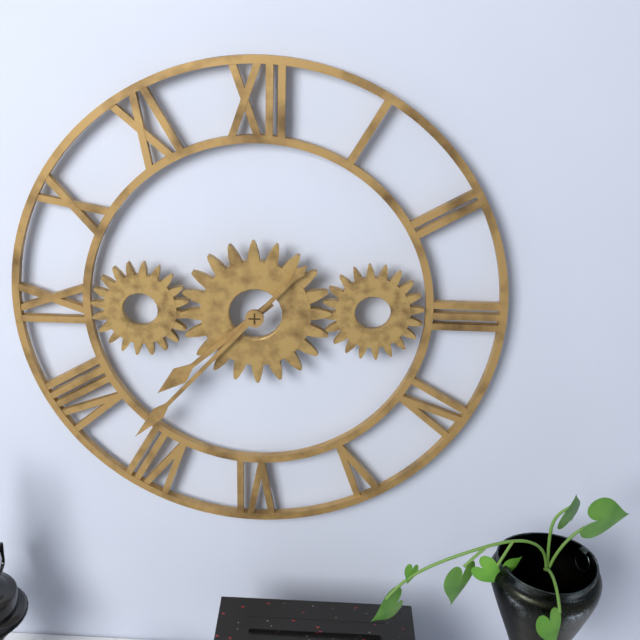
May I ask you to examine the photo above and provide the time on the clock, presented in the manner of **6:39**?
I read **7:37**
